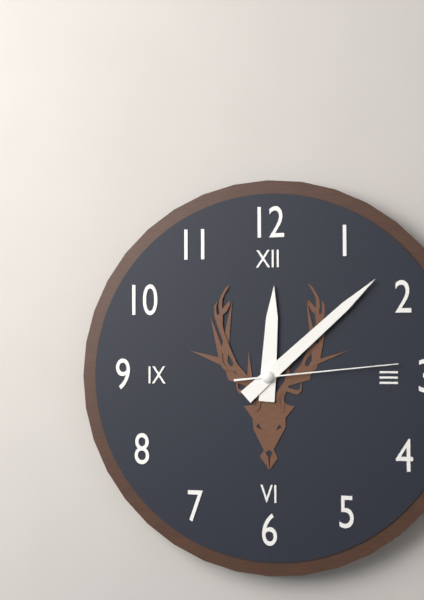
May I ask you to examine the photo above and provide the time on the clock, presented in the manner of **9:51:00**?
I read **12:08:14**
